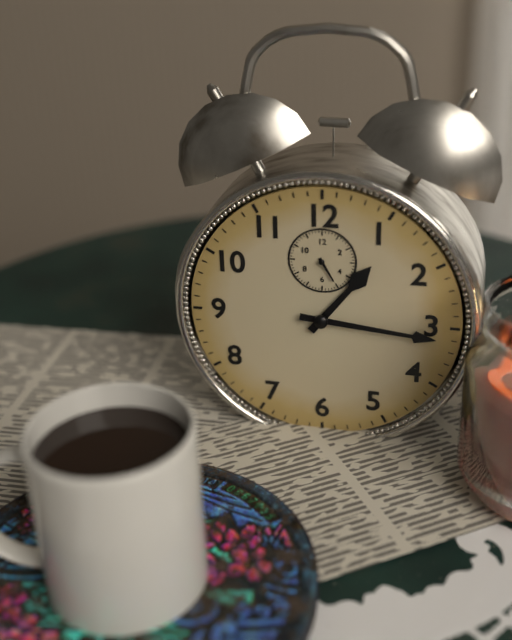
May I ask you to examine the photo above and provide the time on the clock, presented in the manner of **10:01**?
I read **1:16**
